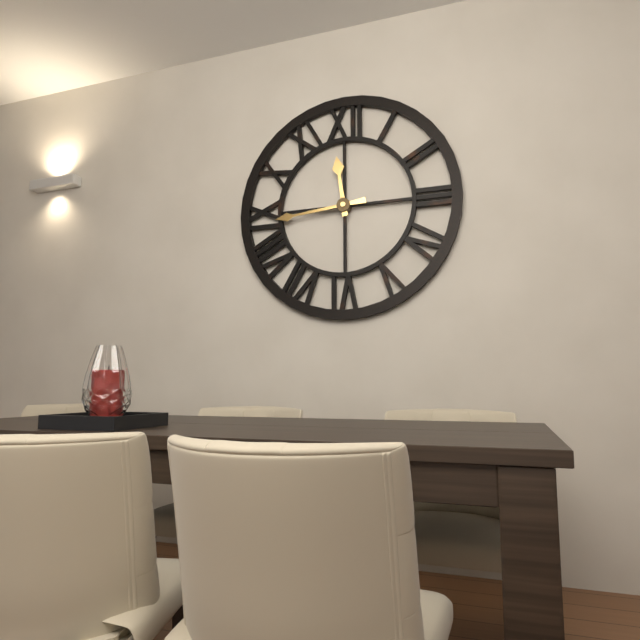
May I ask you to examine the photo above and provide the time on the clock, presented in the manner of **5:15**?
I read **11:44**
